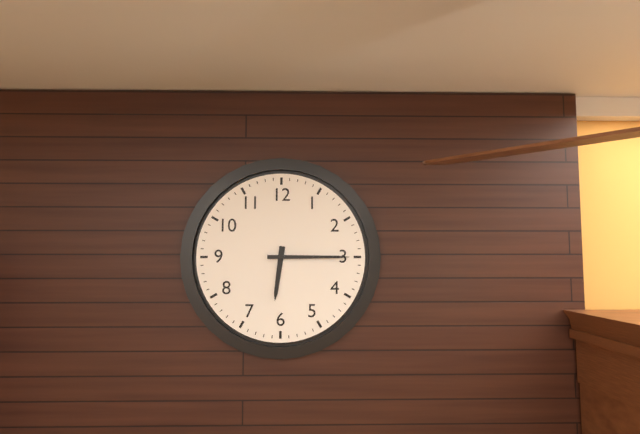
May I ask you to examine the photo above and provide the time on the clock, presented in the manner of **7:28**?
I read **6:15**
